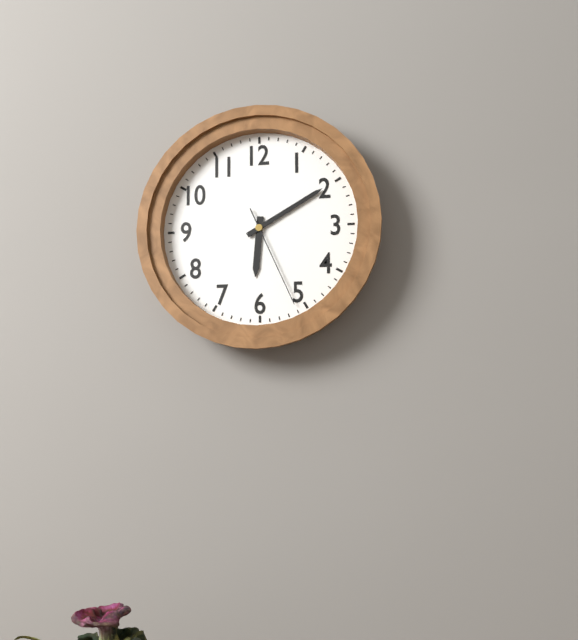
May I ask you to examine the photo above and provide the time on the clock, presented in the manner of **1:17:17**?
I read **6:10:26**
